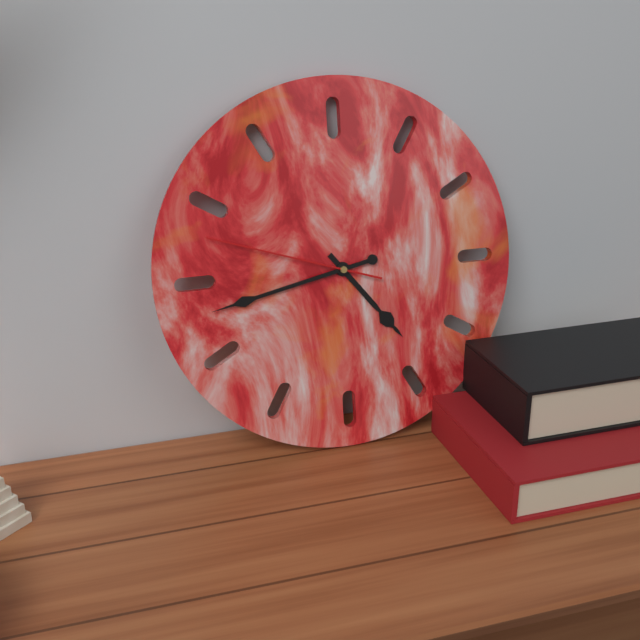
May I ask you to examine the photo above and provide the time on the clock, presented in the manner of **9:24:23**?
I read **4:43:48**
